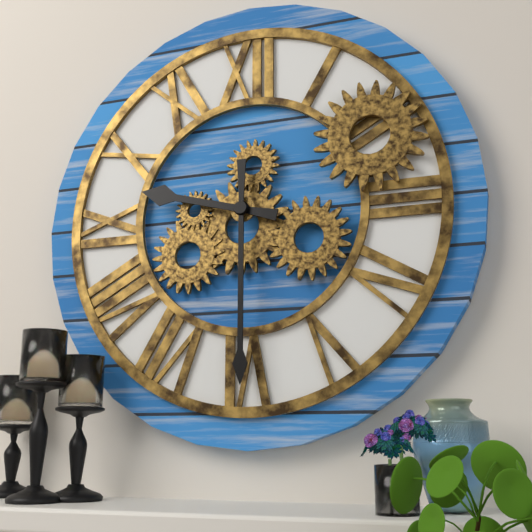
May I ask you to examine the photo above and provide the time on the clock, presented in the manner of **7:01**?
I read **9:30**
